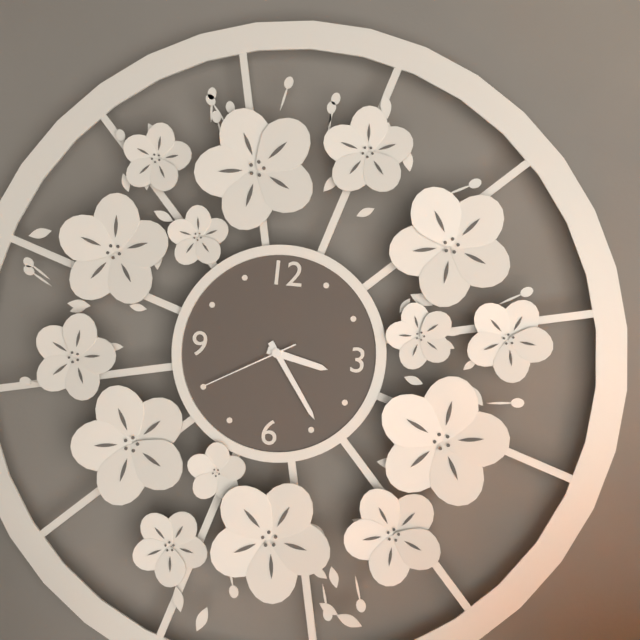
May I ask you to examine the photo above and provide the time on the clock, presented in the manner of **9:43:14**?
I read **3:24:40**
